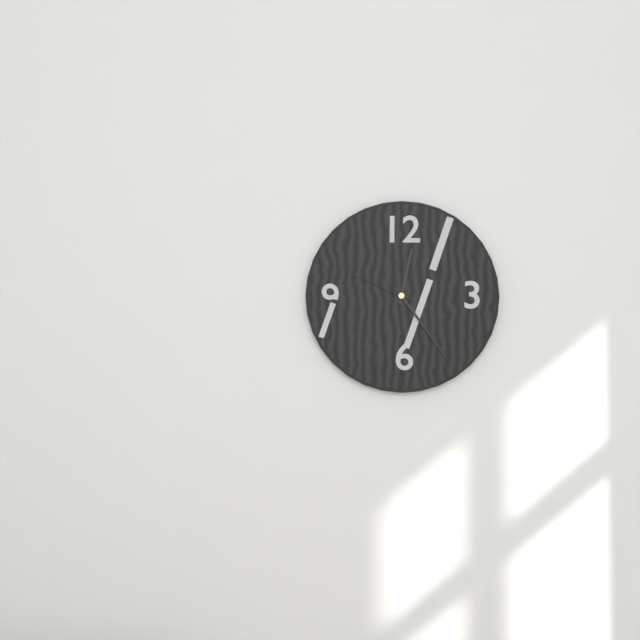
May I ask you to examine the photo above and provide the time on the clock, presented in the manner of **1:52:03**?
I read **12:24:49**
